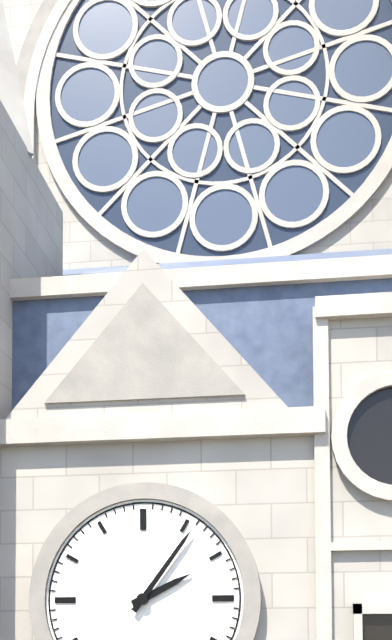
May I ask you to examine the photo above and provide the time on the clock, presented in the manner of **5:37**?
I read **2:06**
